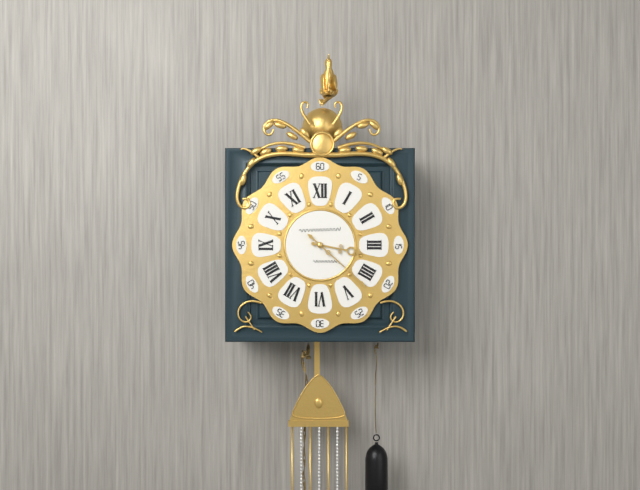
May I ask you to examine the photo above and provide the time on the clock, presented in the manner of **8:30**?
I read **3:22**
